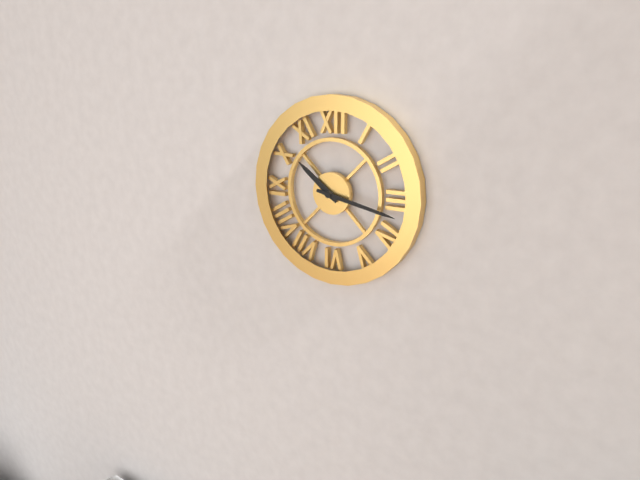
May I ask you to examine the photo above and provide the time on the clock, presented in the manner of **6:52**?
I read **10:17**
